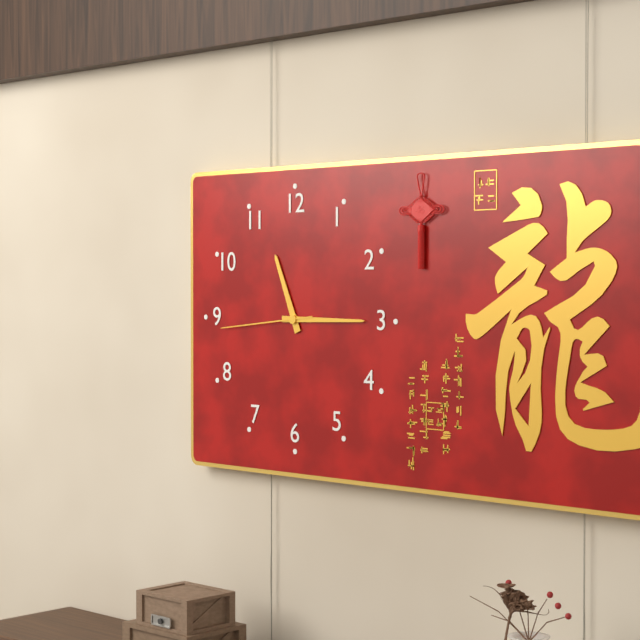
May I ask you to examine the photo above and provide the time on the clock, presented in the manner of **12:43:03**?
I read **11:15:44**
